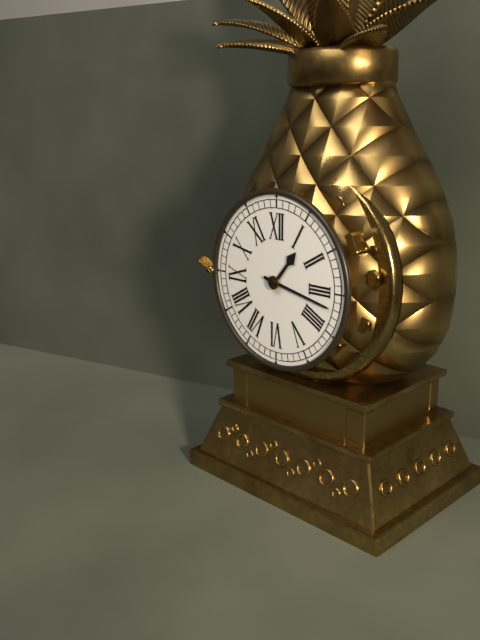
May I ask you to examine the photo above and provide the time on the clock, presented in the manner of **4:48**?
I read **1:17**
